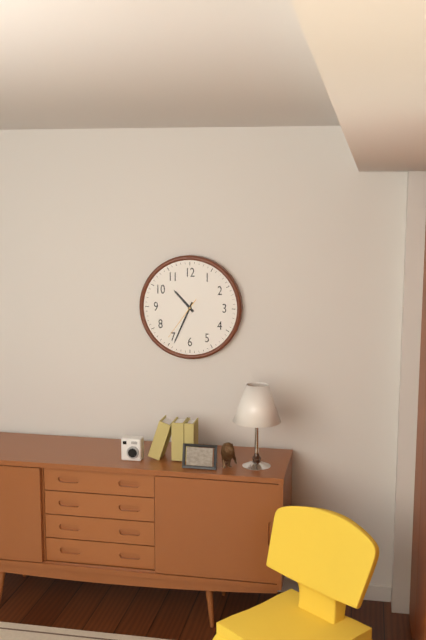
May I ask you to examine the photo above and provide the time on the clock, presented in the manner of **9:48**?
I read **10:34**
